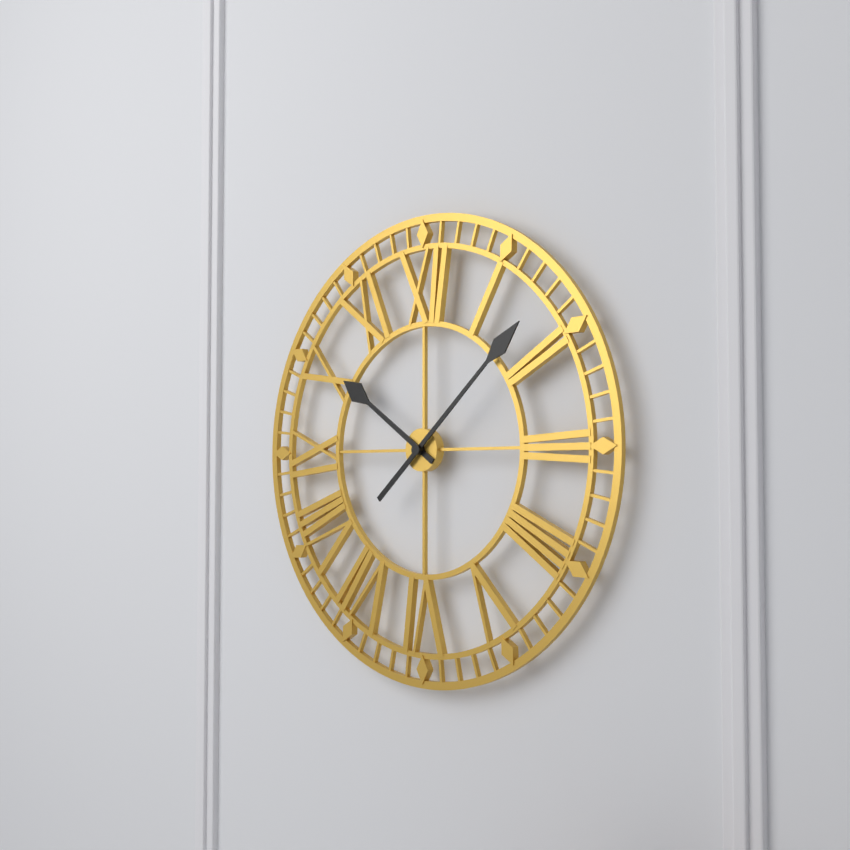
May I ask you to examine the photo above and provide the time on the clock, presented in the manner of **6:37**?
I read **10:08**
